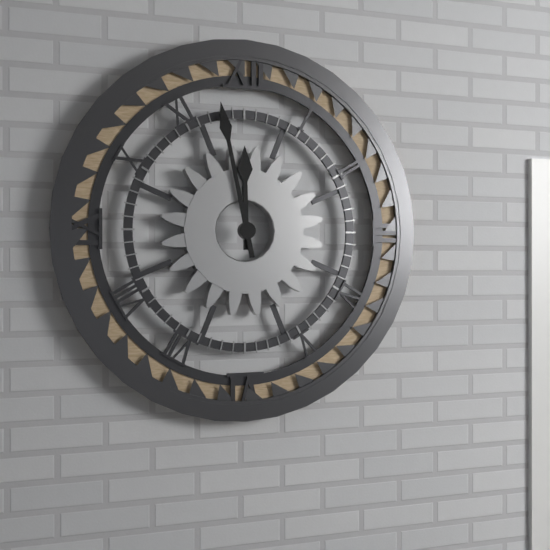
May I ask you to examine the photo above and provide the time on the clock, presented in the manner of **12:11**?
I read **11:58**
